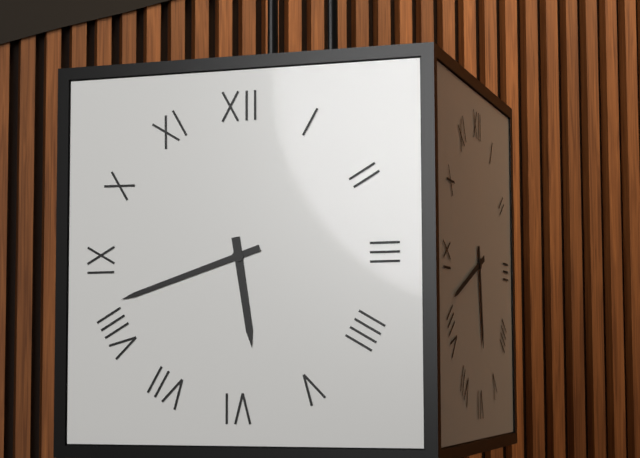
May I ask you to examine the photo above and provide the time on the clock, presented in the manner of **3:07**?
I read **5:42**
